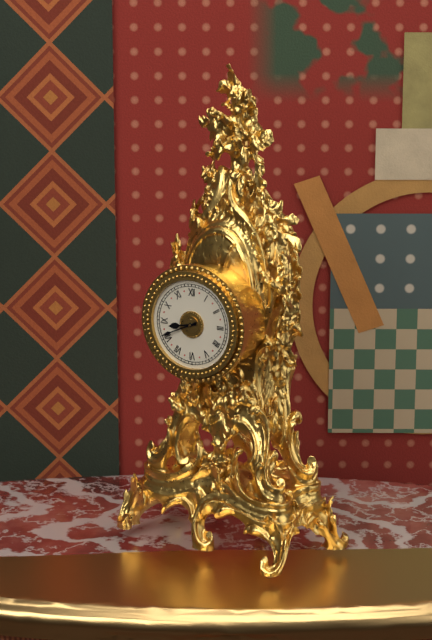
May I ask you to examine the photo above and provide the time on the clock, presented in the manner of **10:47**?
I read **8:41**
